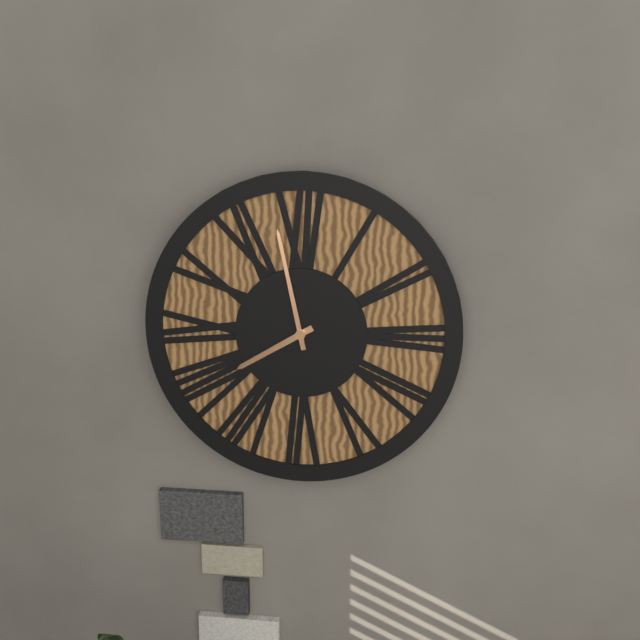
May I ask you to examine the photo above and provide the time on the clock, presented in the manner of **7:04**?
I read **7:58**
